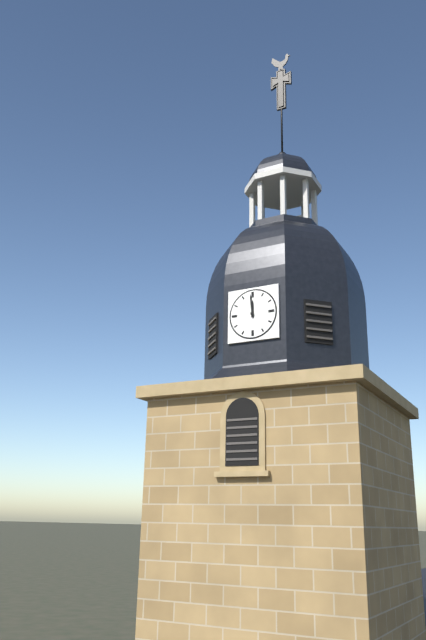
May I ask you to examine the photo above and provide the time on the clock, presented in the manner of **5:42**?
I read **11:59**
